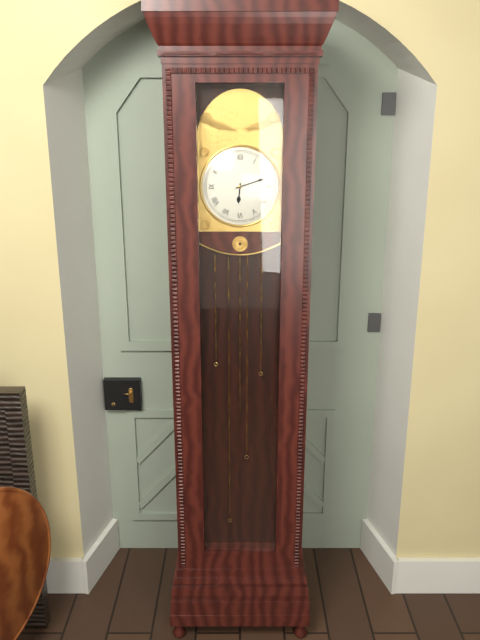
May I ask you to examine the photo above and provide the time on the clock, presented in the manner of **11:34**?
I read **6:12**
